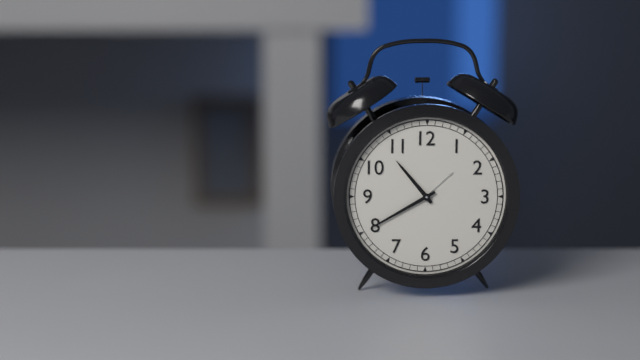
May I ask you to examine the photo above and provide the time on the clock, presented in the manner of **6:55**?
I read **10:40**
